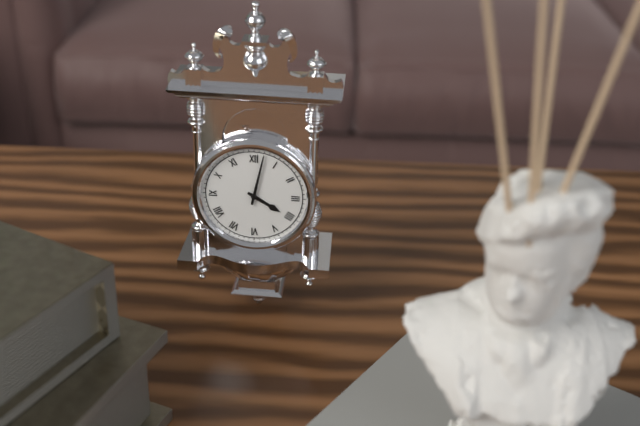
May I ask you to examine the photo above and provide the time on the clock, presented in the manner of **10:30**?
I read **4:02**
